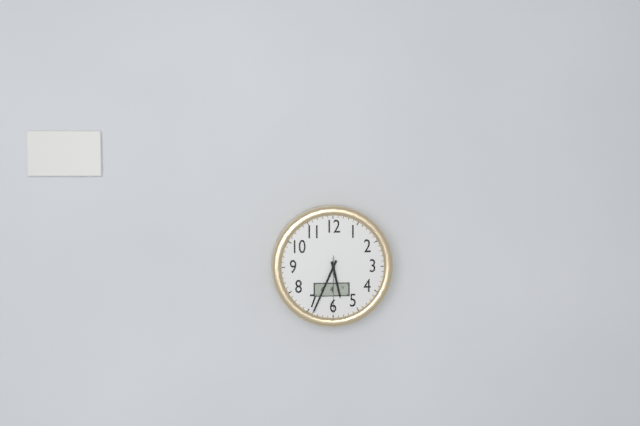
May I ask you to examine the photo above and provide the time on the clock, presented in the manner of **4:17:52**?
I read **5:34:30**
